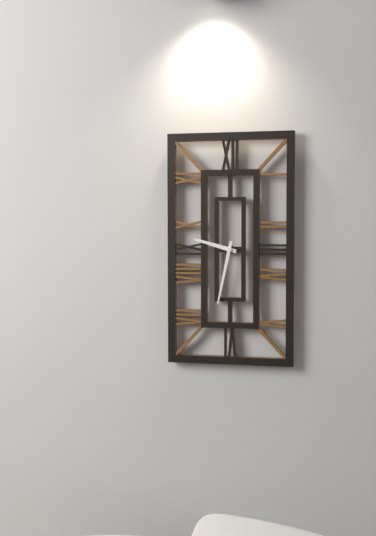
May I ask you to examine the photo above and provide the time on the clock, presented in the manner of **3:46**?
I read **9:32**
